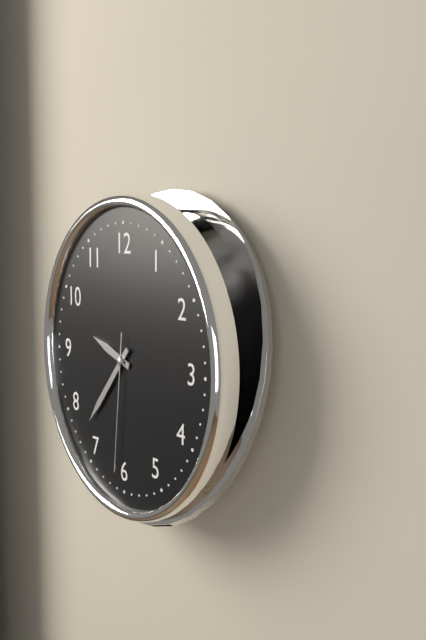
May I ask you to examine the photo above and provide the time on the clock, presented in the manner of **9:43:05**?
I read **9:37:31**
